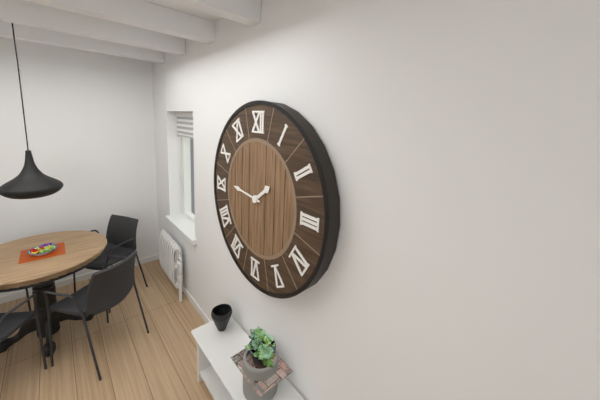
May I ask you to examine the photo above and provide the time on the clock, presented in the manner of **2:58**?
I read **1:46**
